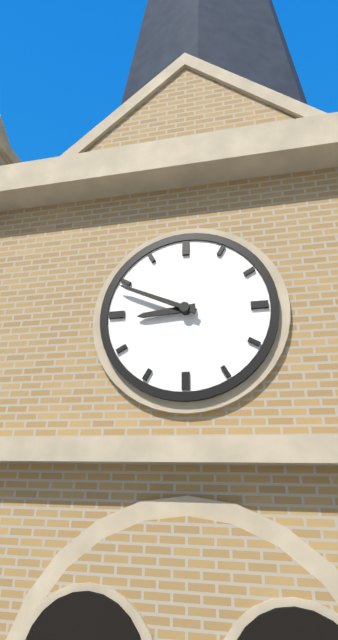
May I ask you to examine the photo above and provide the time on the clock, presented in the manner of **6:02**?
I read **8:49**
